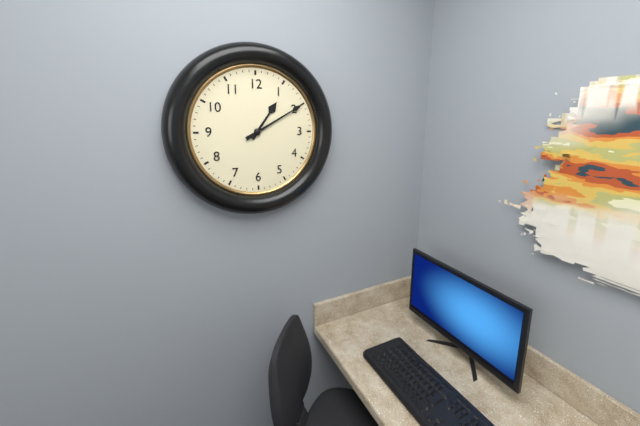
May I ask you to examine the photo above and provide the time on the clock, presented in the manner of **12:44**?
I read **1:10**
